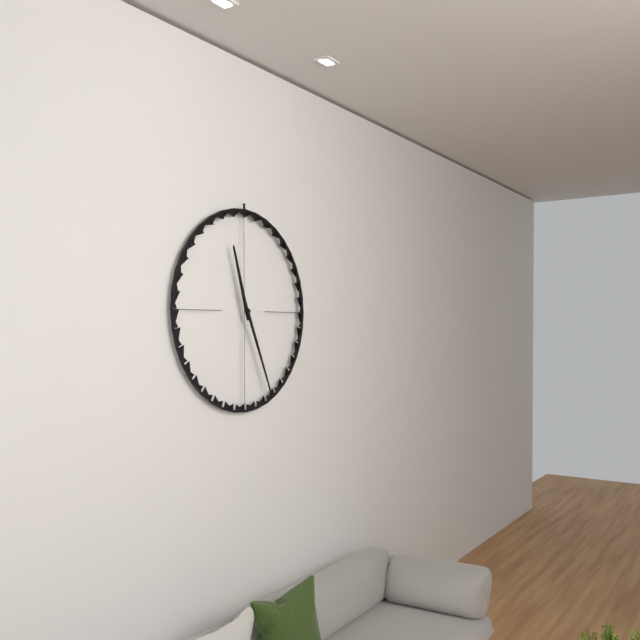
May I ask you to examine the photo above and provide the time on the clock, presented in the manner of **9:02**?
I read **11:26**
